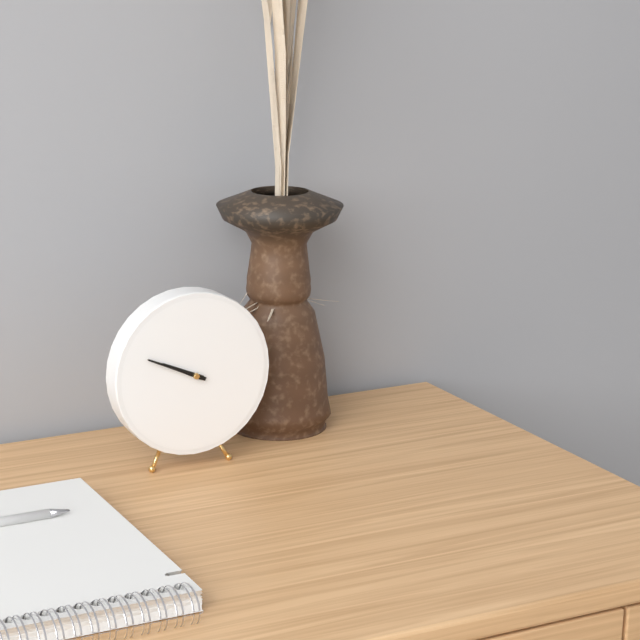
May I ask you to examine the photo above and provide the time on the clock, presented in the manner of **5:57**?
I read **9:49**
